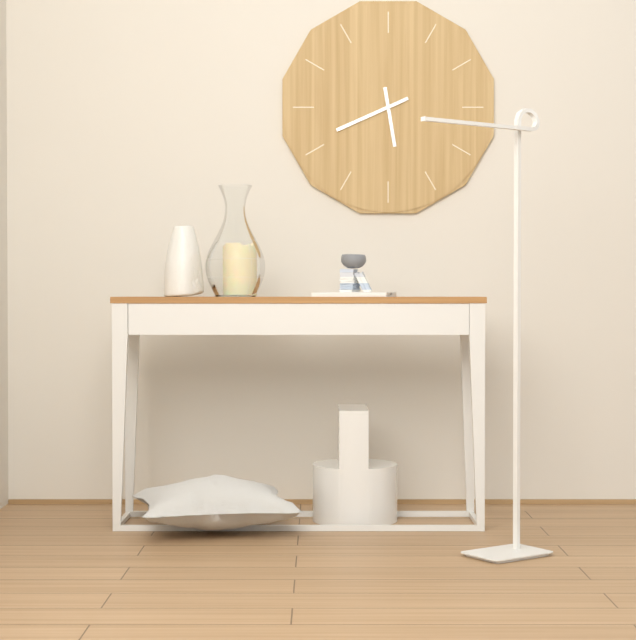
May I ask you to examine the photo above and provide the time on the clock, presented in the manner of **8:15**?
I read **5:41**
